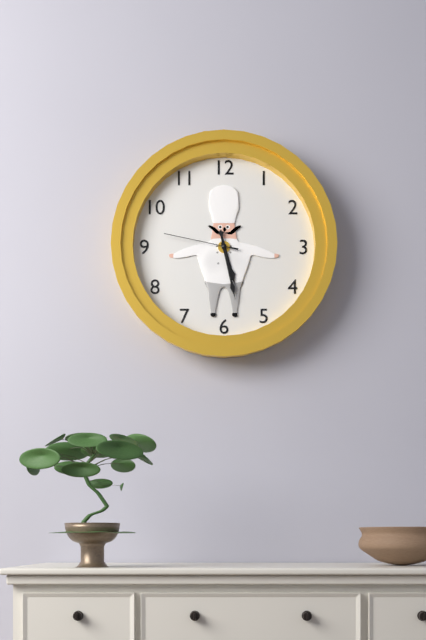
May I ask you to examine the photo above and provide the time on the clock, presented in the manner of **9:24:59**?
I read **5:28:47**
